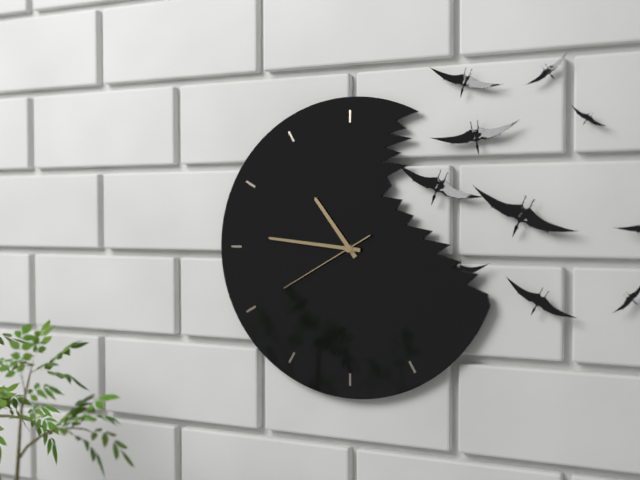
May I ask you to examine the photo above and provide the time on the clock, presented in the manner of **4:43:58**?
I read **10:46:40**
